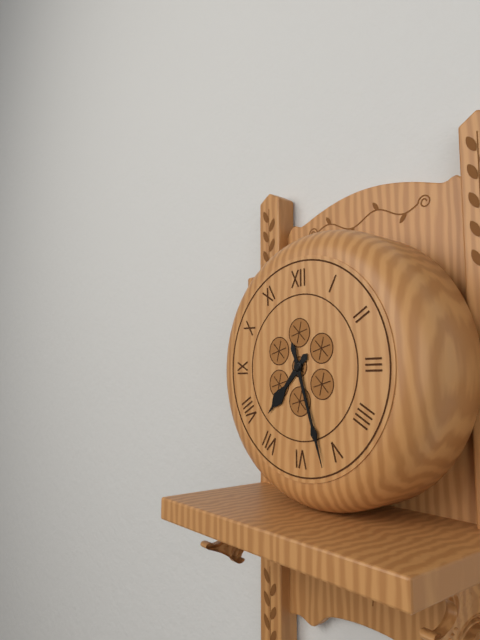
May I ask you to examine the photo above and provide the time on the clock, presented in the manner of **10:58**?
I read **7:27**
